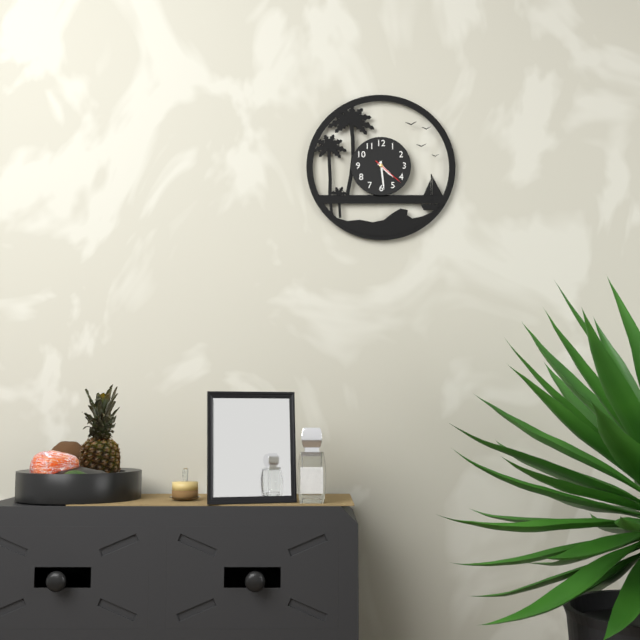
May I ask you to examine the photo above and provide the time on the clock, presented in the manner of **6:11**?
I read **4:29**
